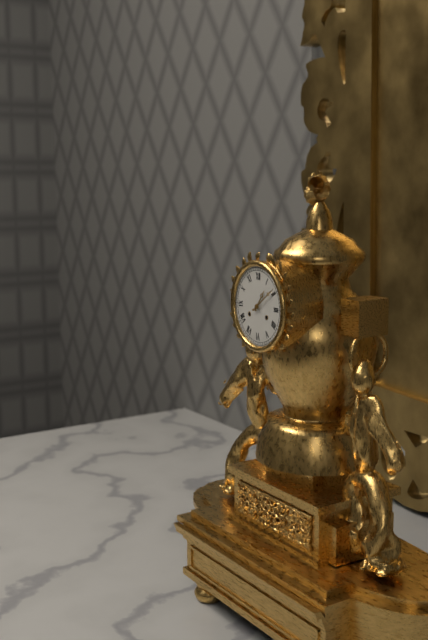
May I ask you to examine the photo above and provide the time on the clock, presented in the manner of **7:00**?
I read **1:09**
